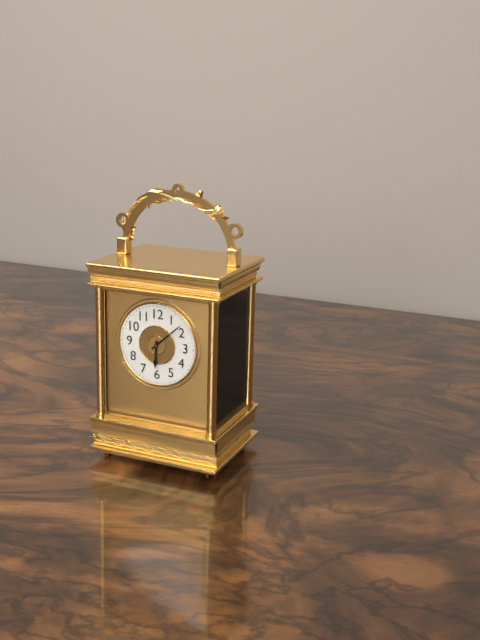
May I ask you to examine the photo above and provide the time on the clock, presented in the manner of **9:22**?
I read **6:08**
